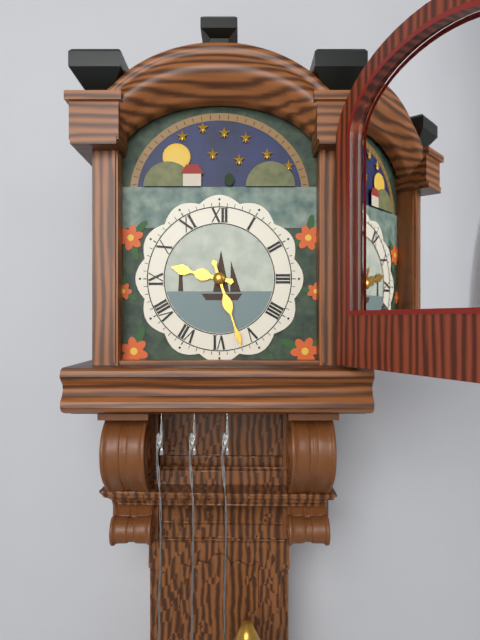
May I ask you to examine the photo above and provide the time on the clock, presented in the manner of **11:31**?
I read **9:27**
